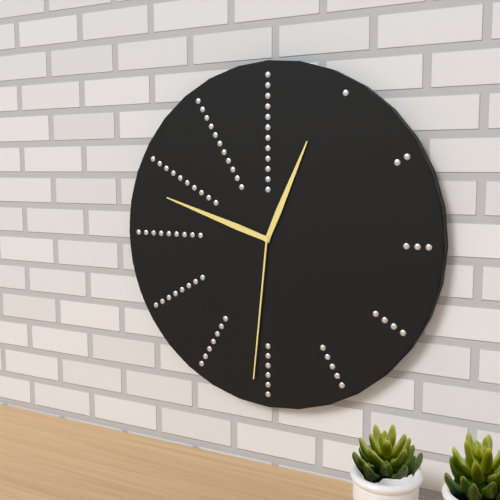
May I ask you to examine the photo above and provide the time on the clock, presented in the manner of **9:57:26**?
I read **12:48:31**
